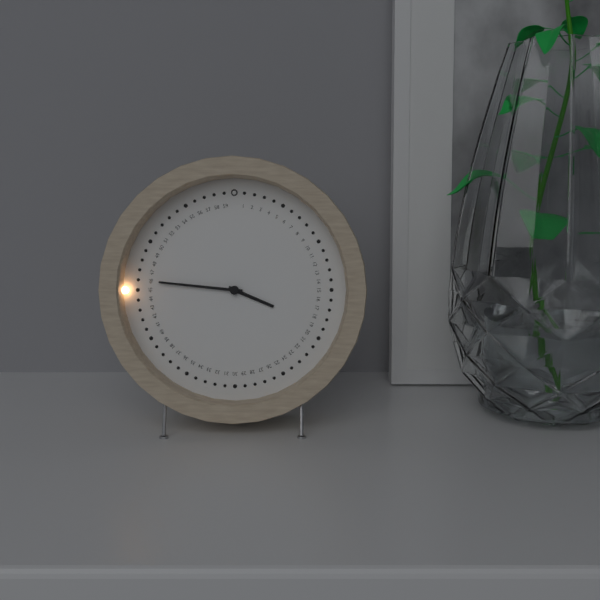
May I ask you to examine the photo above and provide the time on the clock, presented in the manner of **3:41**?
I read **3:46**
